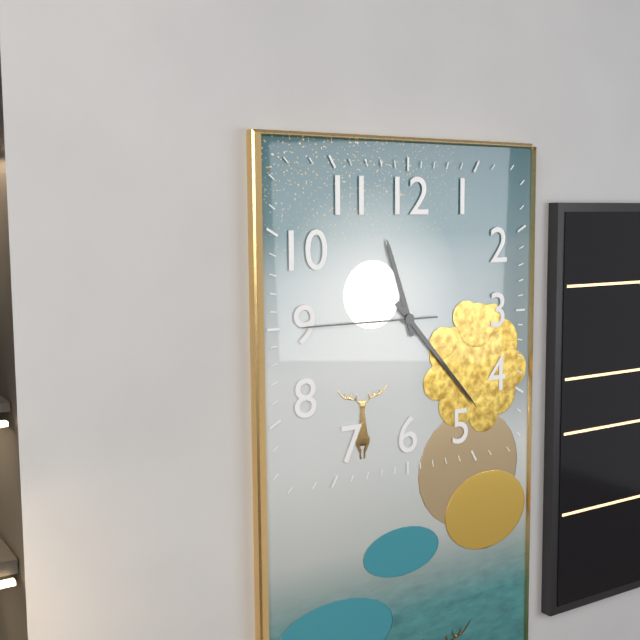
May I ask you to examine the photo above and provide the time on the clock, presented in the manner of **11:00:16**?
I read **11:23:45**
